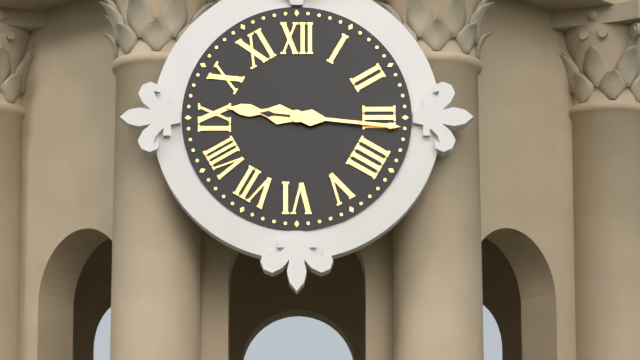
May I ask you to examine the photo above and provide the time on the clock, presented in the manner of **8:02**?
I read **9:16**
